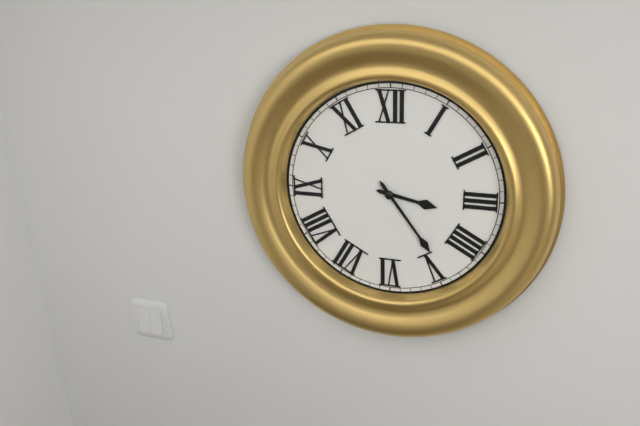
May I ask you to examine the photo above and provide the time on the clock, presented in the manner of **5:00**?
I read **3:24**
